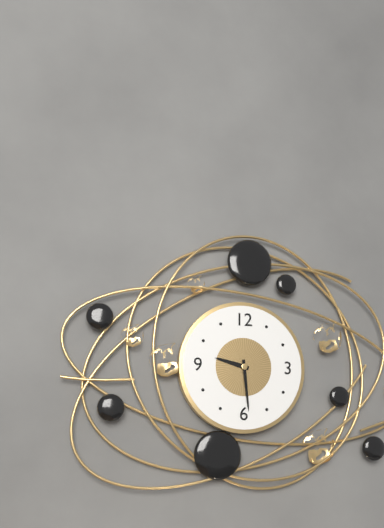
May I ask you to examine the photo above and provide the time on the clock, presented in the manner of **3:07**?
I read **9:29**
